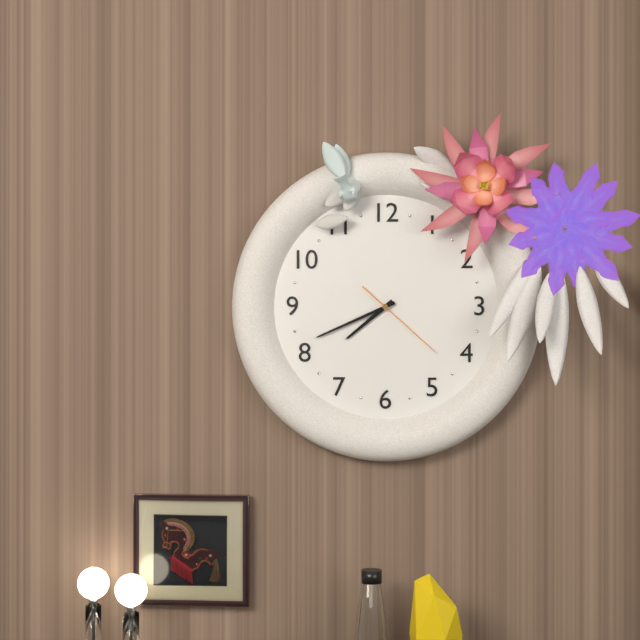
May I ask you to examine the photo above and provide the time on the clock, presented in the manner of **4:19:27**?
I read **7:41:22**
